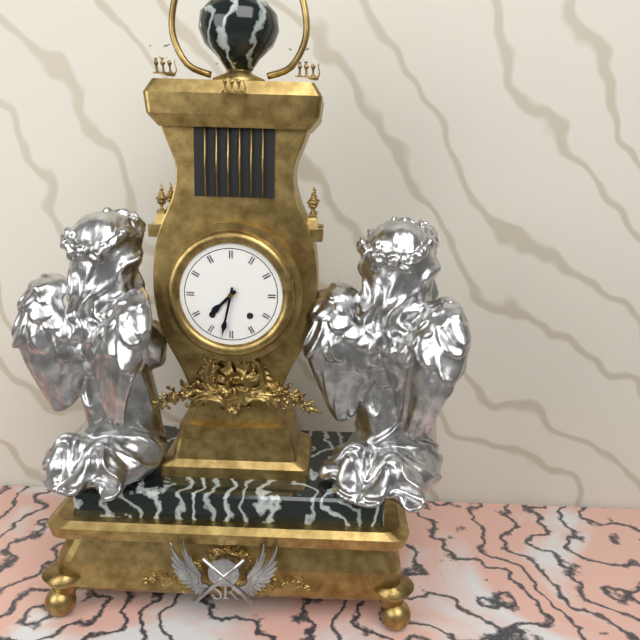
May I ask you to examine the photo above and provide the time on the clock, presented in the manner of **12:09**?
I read **7:32**
